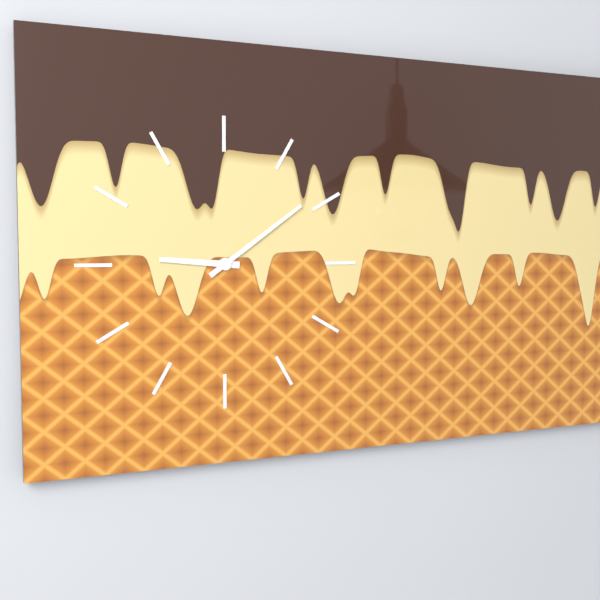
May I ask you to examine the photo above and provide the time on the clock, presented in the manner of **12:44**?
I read **9:09**
